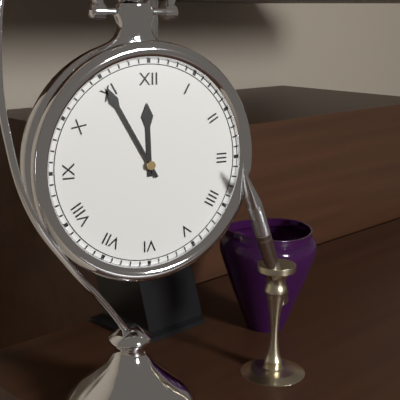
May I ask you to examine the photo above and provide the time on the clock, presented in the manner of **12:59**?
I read **11:55**
